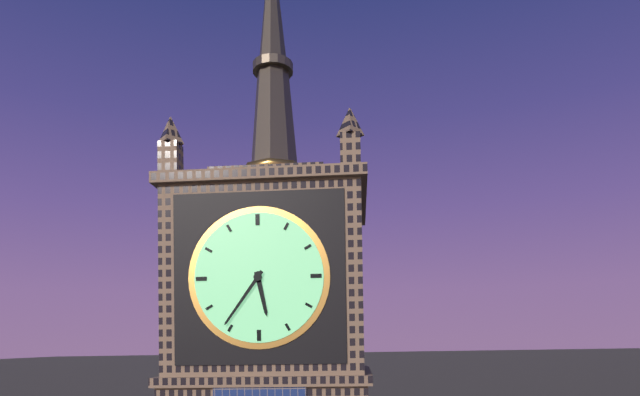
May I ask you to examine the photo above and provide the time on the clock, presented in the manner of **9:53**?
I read **5:36**
